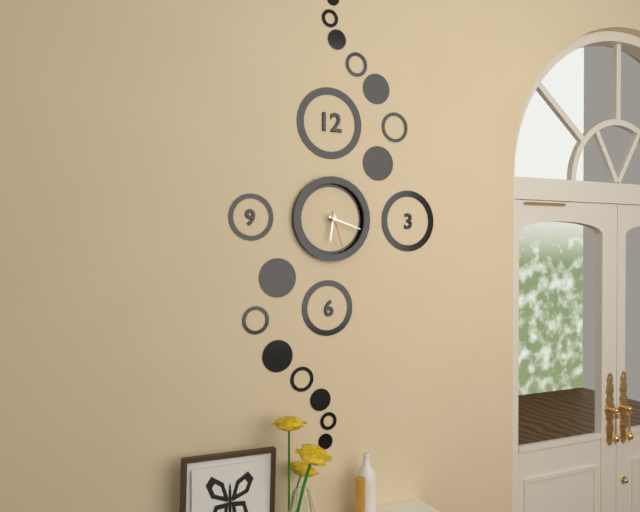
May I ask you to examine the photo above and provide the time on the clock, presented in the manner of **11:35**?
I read **6:18**
